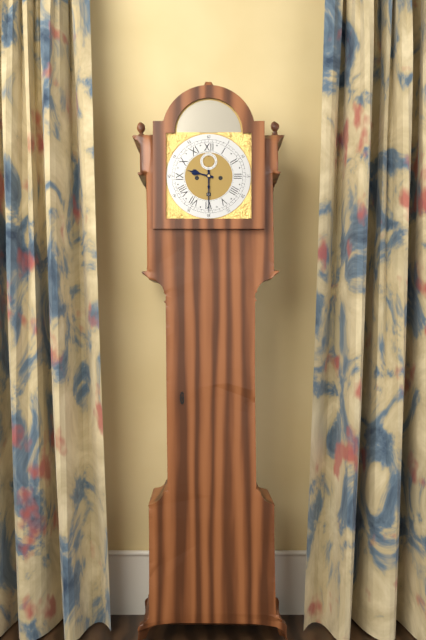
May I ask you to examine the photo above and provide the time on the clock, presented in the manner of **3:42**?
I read **9:30**
